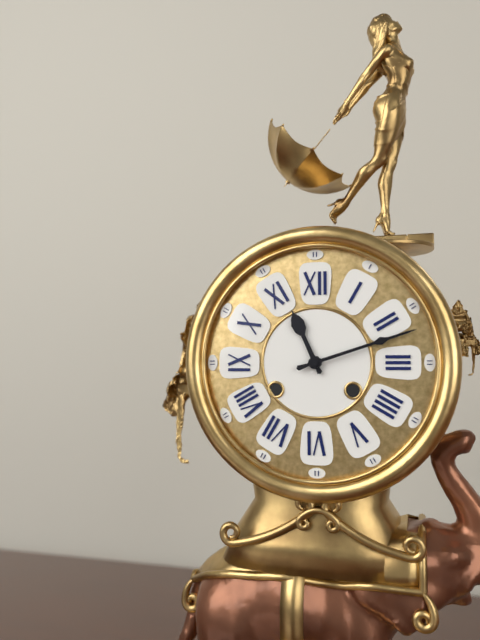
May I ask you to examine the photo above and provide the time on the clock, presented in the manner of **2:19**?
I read **11:12**
